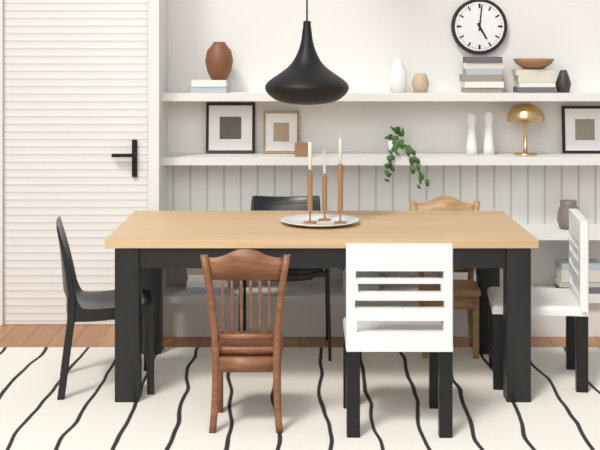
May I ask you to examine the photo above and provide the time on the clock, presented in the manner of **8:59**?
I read **5:01**
